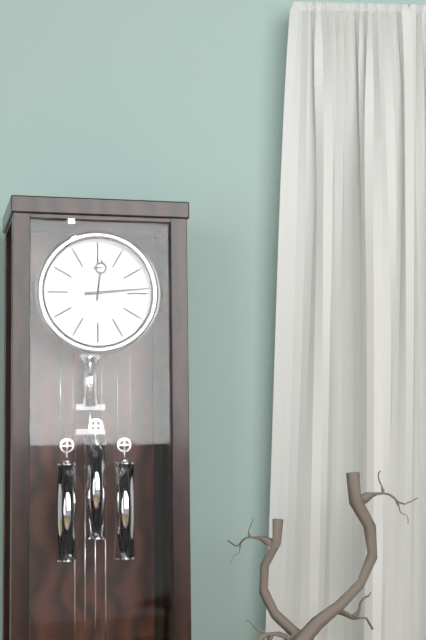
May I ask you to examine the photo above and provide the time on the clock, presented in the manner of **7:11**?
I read **12:14**
